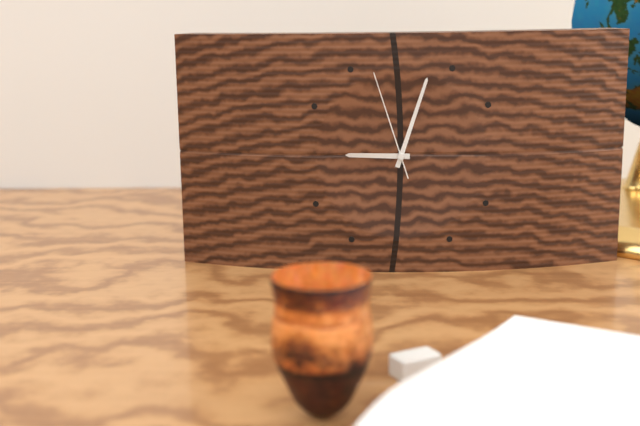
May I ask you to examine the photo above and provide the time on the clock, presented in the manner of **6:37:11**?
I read **9:03:57**
